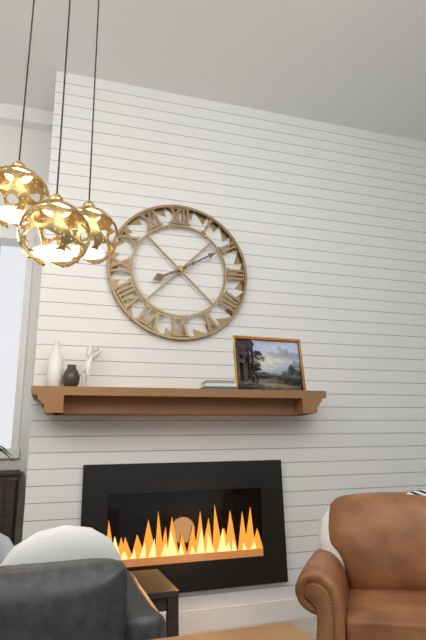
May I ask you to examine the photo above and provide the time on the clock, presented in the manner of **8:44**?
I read **8:10**
